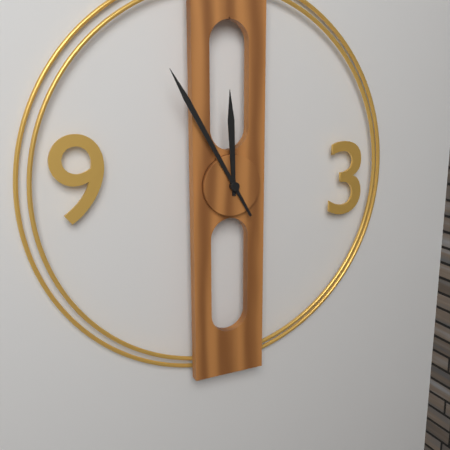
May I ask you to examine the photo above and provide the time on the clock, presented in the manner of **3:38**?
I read **11:55**
